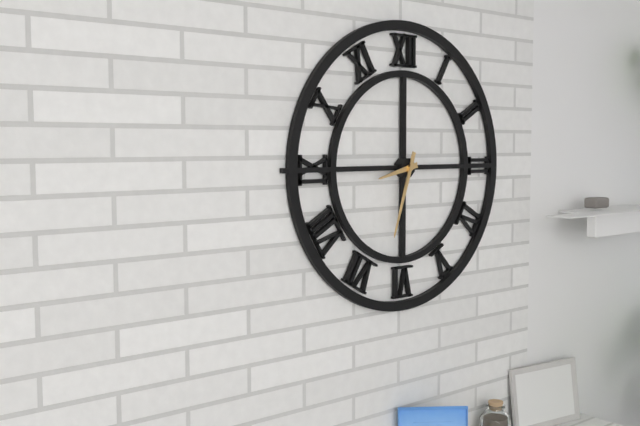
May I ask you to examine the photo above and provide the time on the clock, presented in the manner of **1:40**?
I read **8:33**
